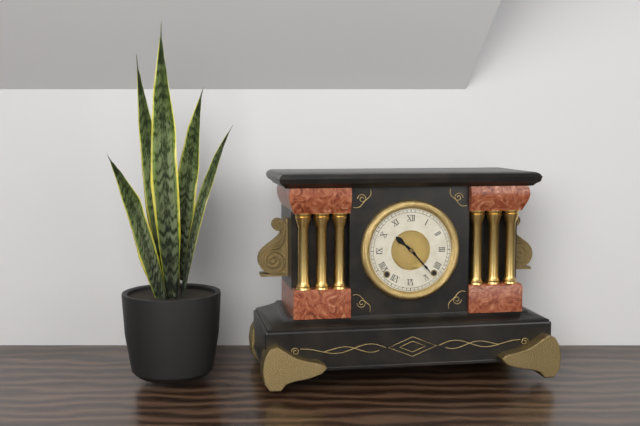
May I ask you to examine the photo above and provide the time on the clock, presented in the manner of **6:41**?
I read **10:23**
